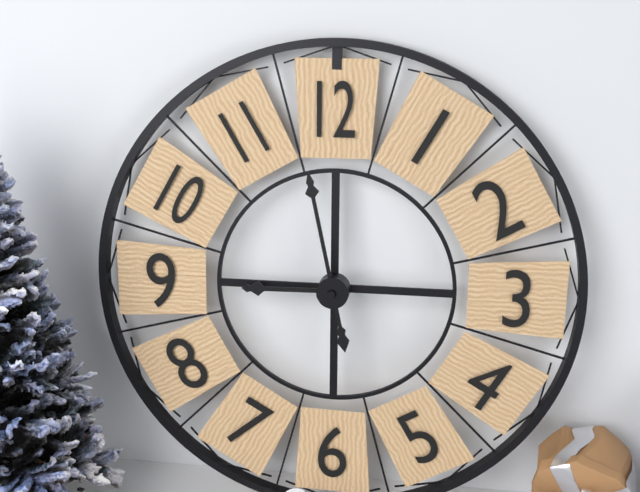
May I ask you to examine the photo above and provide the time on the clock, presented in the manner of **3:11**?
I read **8:58**
